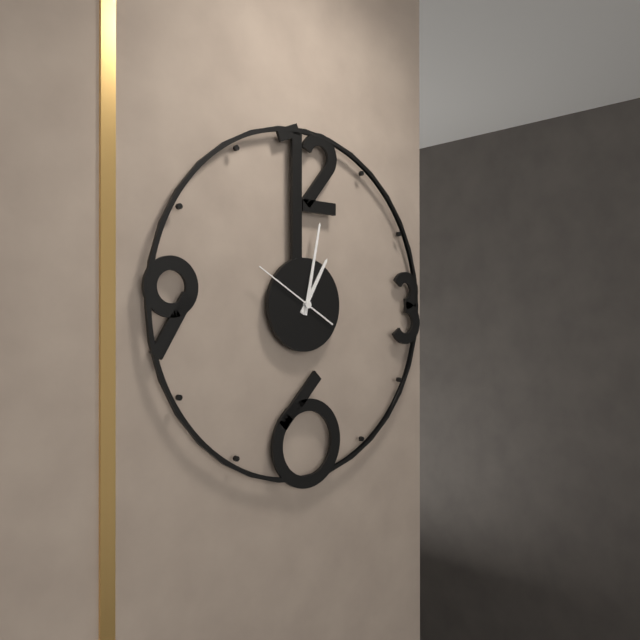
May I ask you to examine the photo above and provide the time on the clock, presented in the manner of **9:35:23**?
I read **1:02:50**
